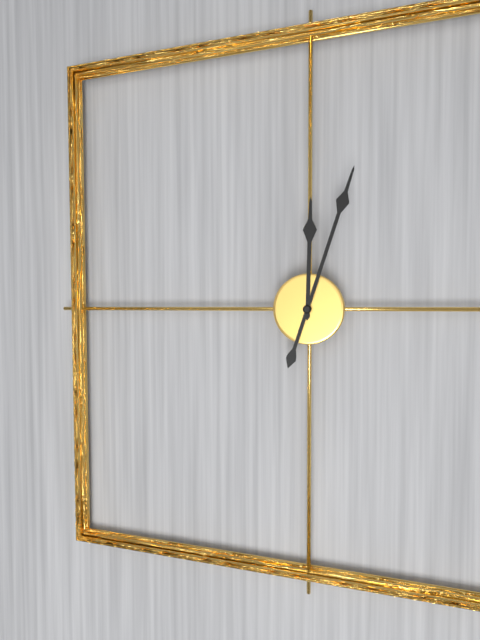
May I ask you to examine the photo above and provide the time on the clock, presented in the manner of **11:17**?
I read **12:03**
